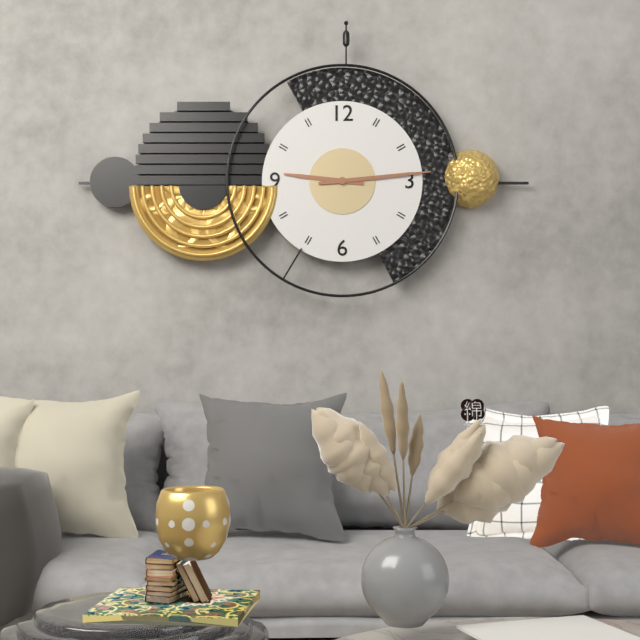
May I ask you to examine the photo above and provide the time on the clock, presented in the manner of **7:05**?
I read **9:14**
